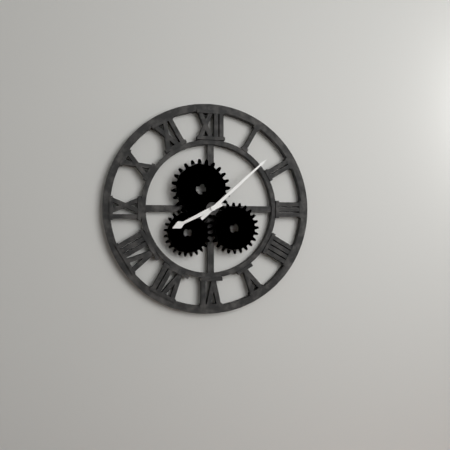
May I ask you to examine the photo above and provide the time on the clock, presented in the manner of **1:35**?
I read **8:08**
